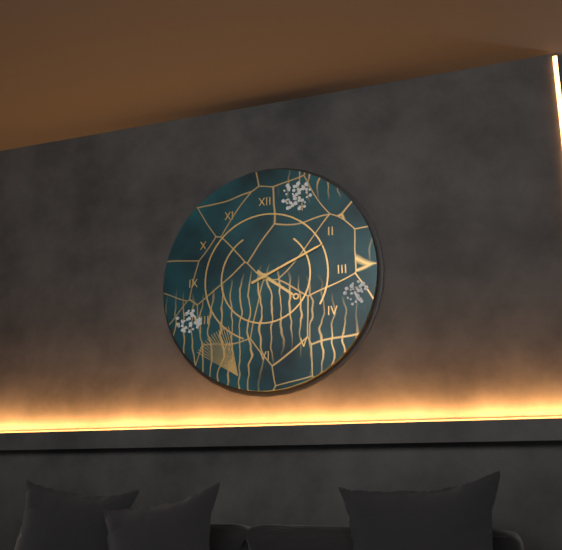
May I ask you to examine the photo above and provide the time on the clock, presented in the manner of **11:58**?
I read **4:11**
